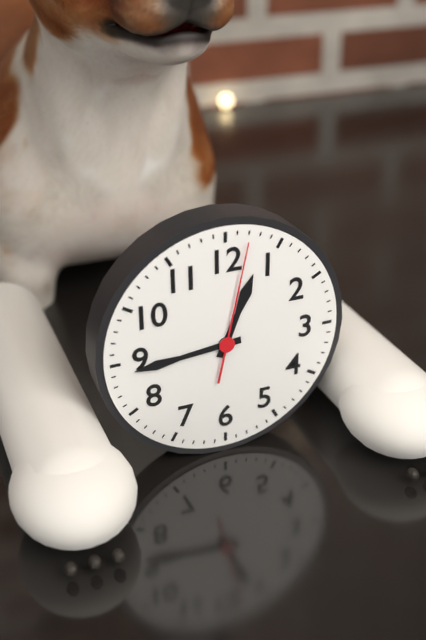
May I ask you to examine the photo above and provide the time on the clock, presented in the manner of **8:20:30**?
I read **12:44:02**
